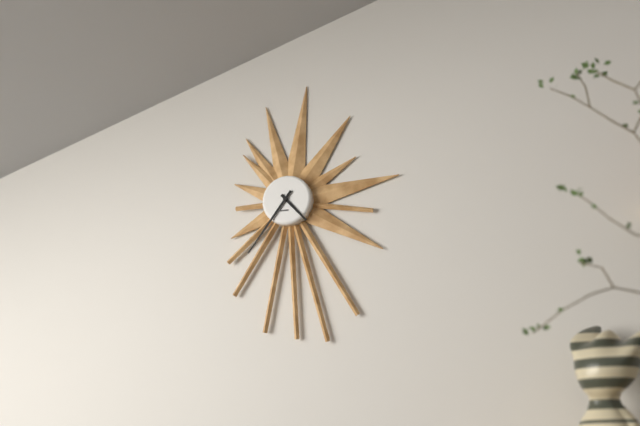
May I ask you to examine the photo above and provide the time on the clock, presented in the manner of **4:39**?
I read **4:36**
